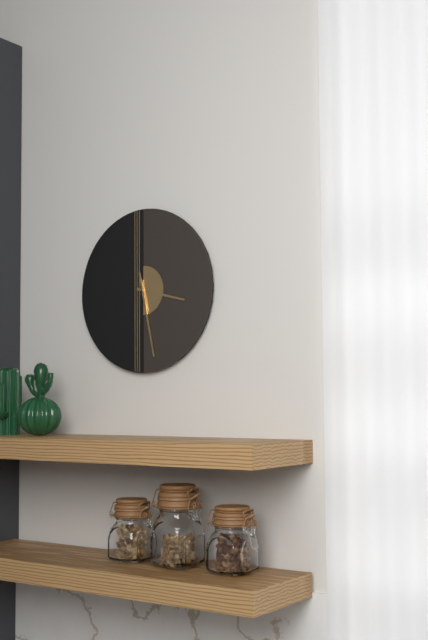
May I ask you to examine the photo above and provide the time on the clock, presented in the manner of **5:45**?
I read **3:28**
